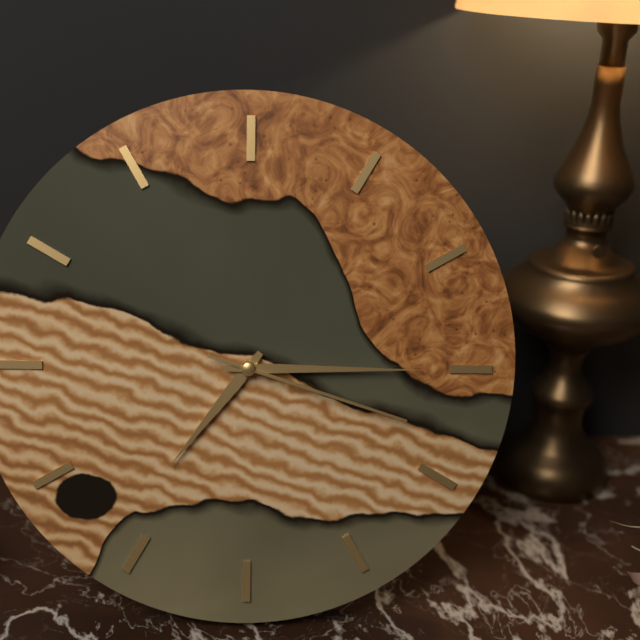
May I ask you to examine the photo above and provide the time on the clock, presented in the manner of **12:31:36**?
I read **7:15:18**
